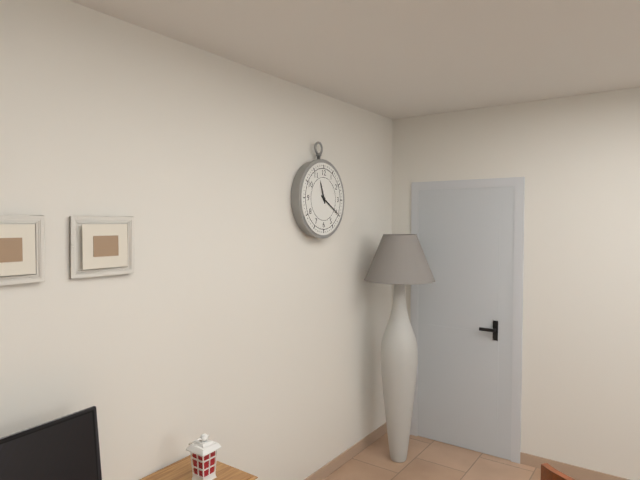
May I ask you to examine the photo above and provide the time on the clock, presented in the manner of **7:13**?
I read **11:20**
